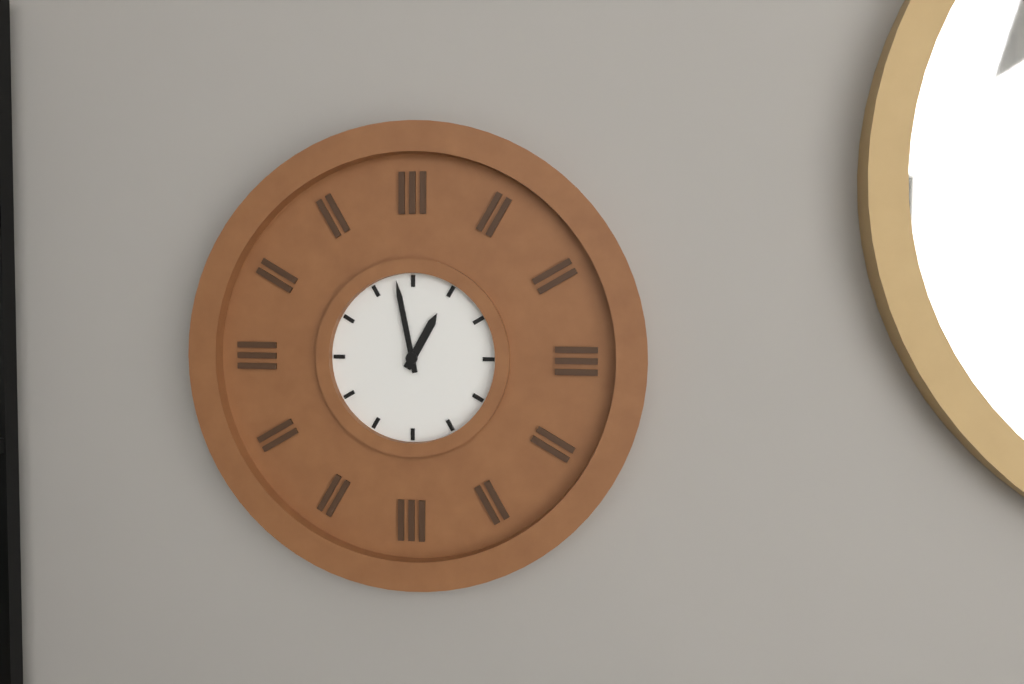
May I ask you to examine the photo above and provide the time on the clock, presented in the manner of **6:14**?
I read **12:58**
